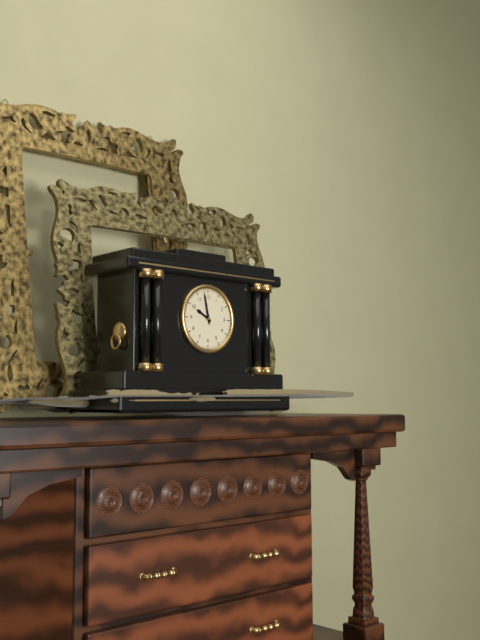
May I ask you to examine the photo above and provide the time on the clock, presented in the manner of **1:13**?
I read **9:58**
